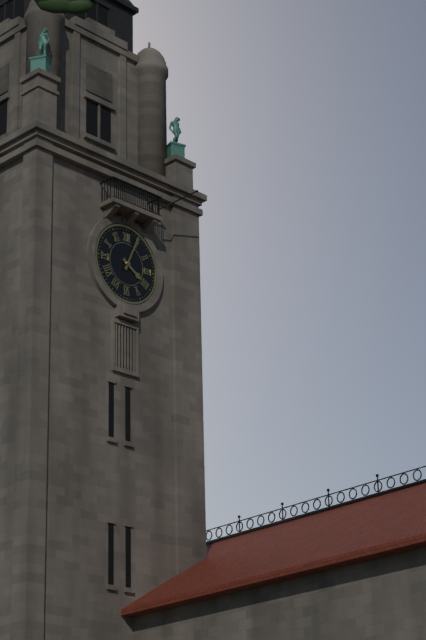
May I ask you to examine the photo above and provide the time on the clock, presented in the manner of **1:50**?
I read **4:04**
